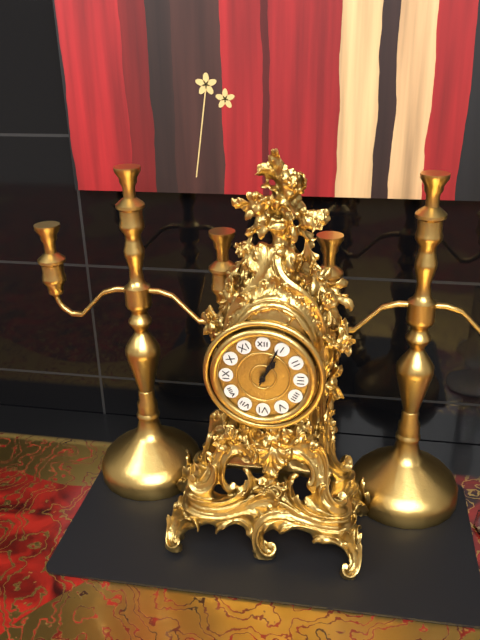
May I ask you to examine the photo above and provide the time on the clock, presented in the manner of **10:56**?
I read **1:04**
